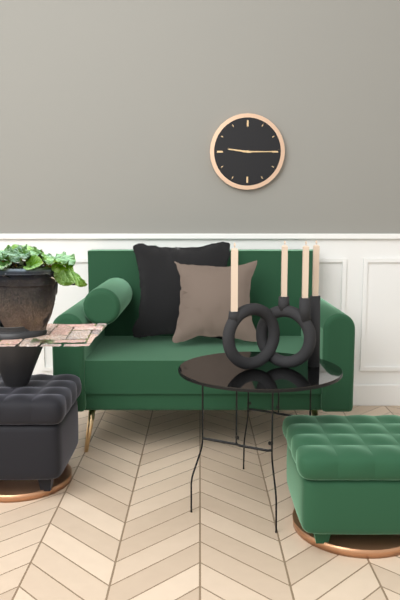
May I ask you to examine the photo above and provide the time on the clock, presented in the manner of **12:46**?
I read **9:15**
